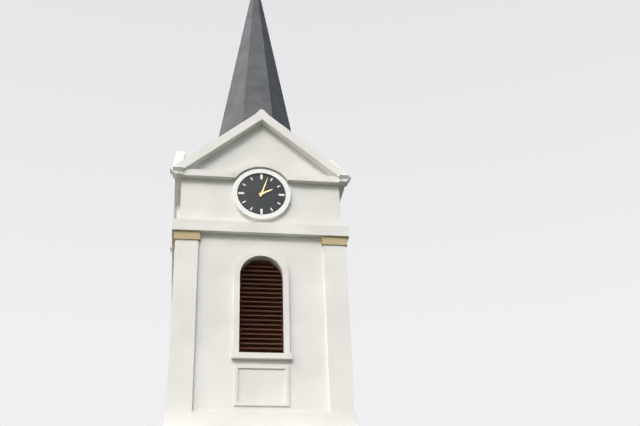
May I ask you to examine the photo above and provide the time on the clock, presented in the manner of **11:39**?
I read **2:03**
